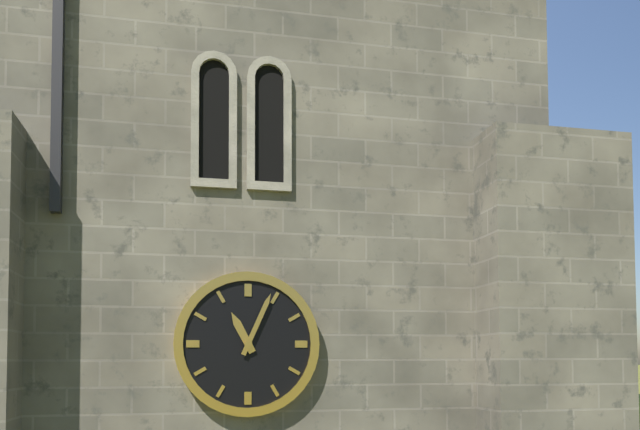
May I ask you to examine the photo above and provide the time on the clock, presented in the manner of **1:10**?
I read **11:04**
